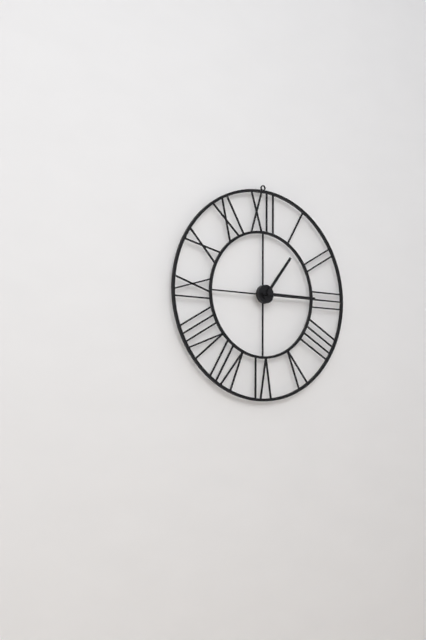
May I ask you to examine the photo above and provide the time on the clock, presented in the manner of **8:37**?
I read **1:15**
